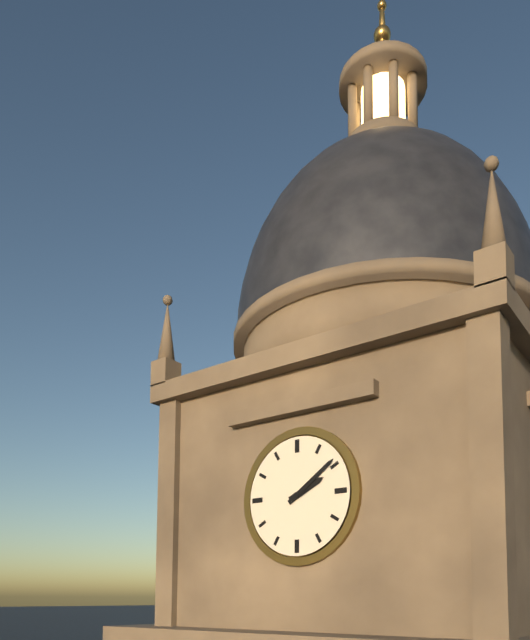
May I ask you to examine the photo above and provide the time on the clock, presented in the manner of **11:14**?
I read **2:09**
